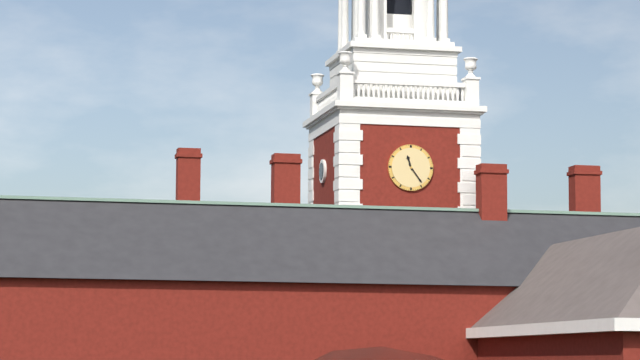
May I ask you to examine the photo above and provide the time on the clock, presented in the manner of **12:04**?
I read **11:24**
